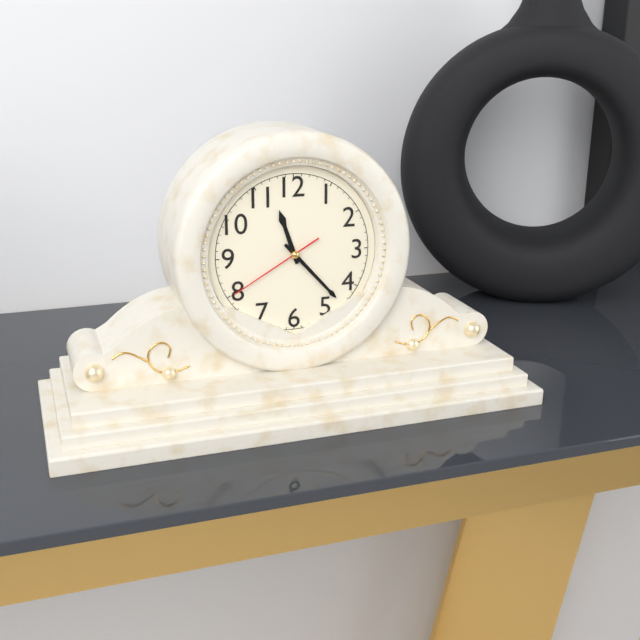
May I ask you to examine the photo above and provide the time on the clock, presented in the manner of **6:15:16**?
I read **11:23:40**
